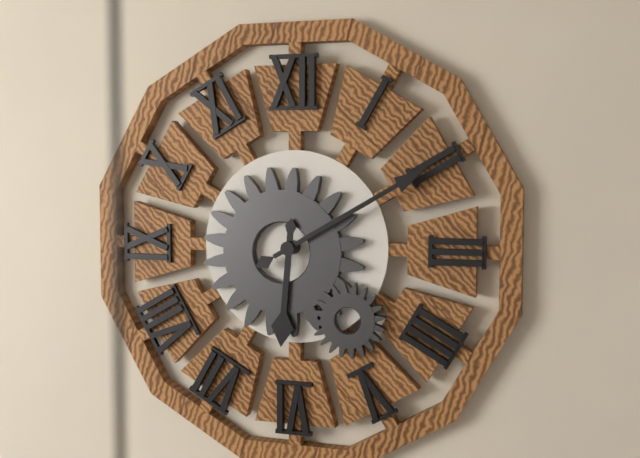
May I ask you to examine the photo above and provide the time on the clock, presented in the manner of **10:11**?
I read **6:10**
